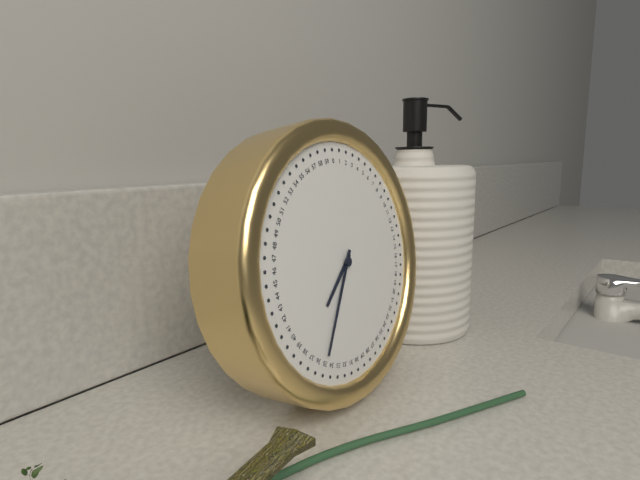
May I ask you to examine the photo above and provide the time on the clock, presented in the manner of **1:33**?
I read **7:35**
